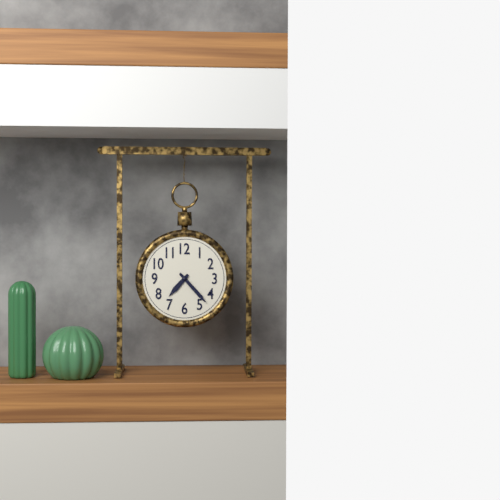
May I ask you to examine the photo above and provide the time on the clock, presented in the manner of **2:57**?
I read **7:23**
